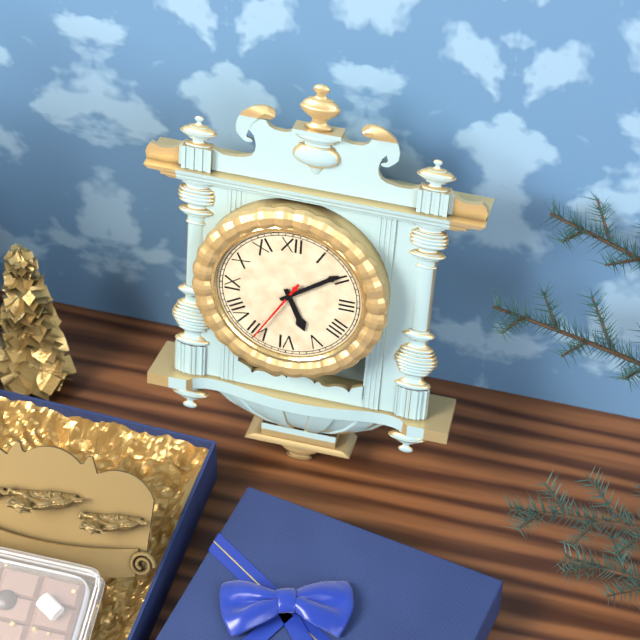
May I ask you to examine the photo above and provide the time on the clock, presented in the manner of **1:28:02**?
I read **5:09:35**
